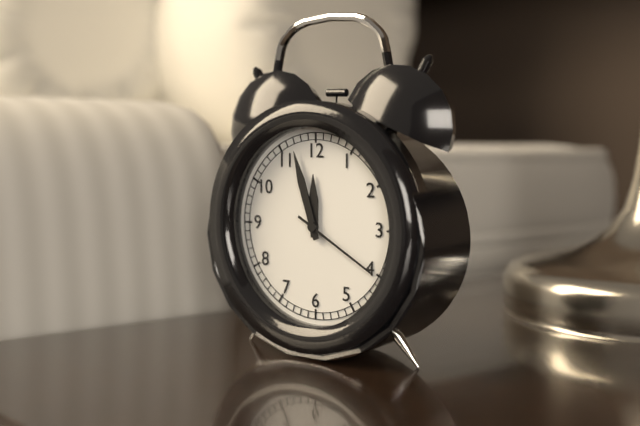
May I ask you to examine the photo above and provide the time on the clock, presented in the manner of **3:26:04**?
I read **11:57:20**
